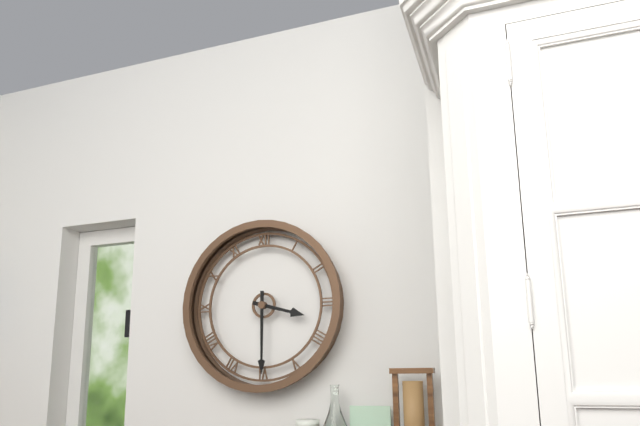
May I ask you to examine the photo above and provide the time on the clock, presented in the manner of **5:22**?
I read **3:30**
